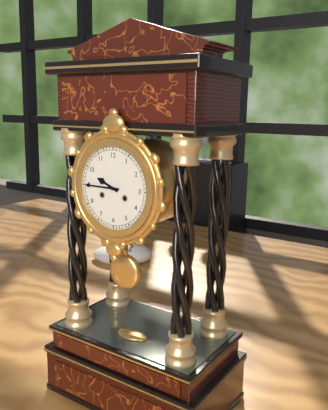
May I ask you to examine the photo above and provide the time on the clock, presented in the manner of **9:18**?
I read **9:45**
